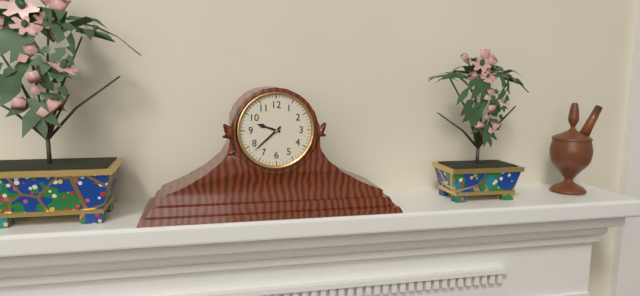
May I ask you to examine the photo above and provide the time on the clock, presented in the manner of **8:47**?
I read **9:38**
